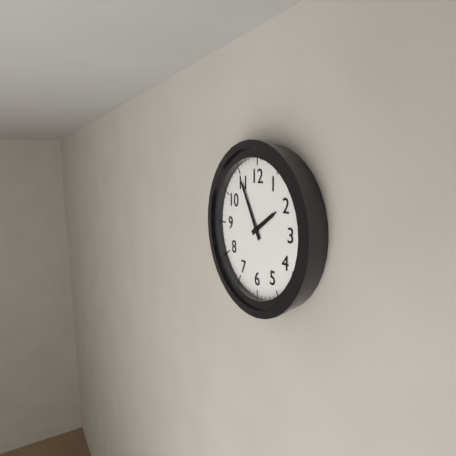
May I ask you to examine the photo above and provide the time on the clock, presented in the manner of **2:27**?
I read **1:55**
